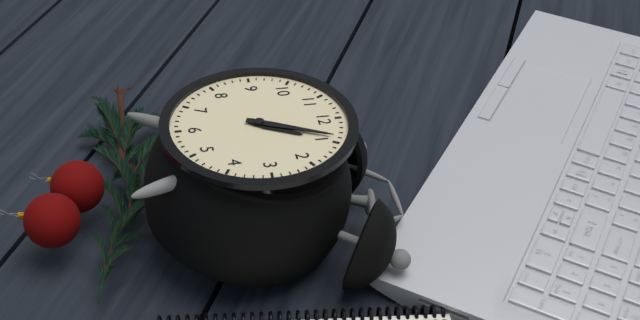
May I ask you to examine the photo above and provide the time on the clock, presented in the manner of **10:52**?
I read **1:04**
